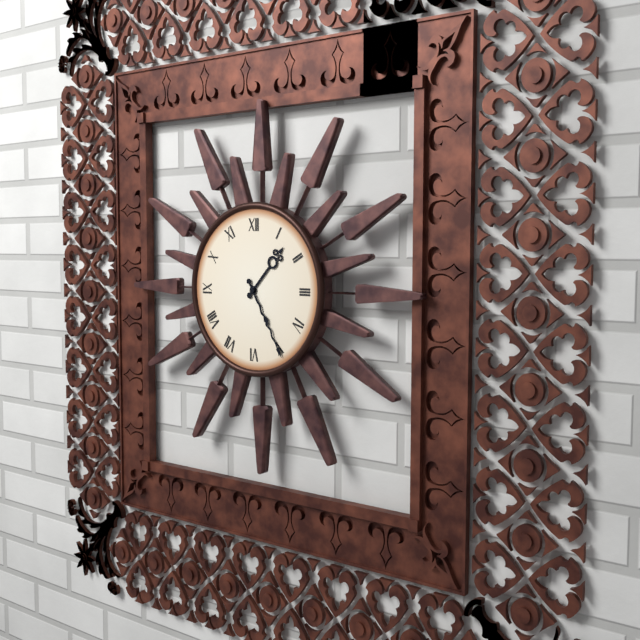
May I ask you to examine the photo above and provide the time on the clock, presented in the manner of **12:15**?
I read **1:25**
